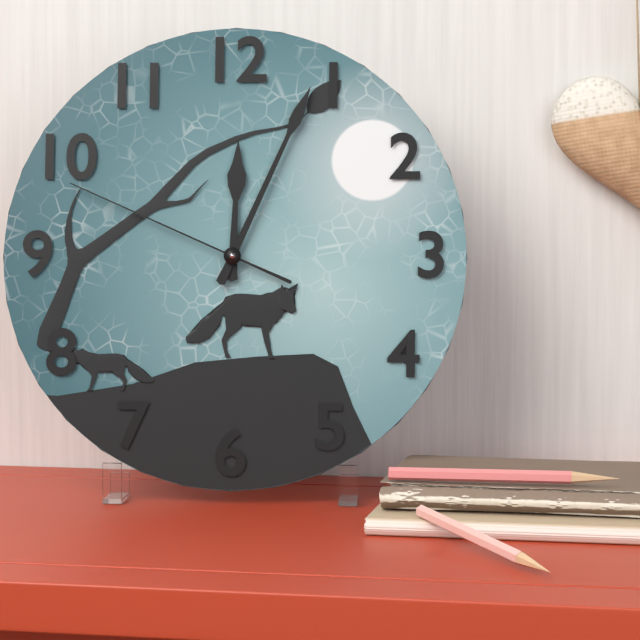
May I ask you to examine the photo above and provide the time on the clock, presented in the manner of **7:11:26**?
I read **12:04:49**
